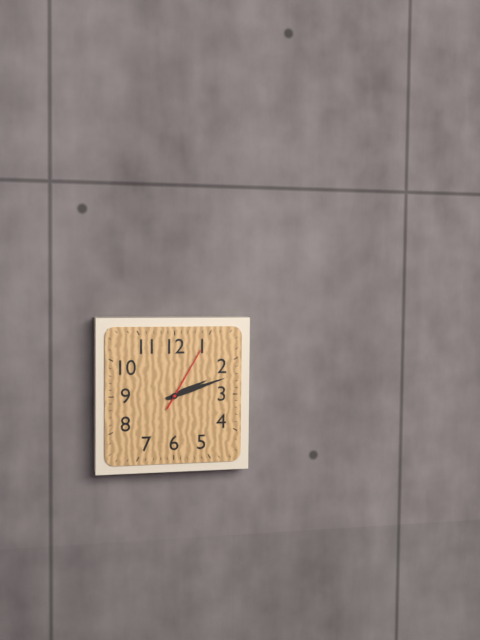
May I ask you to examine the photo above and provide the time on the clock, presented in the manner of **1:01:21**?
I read **2:12:05**
